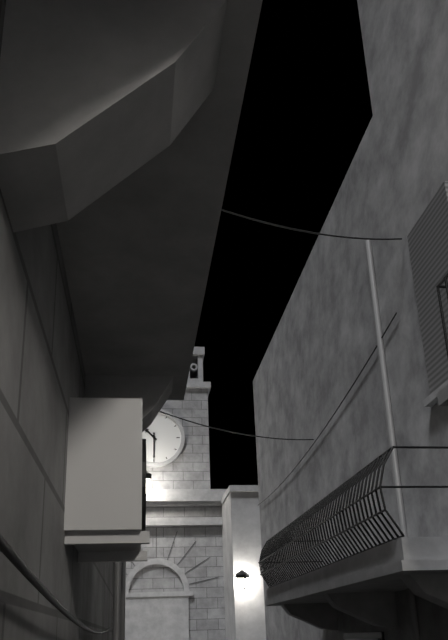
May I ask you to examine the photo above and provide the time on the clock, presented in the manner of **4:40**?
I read **10:30**
